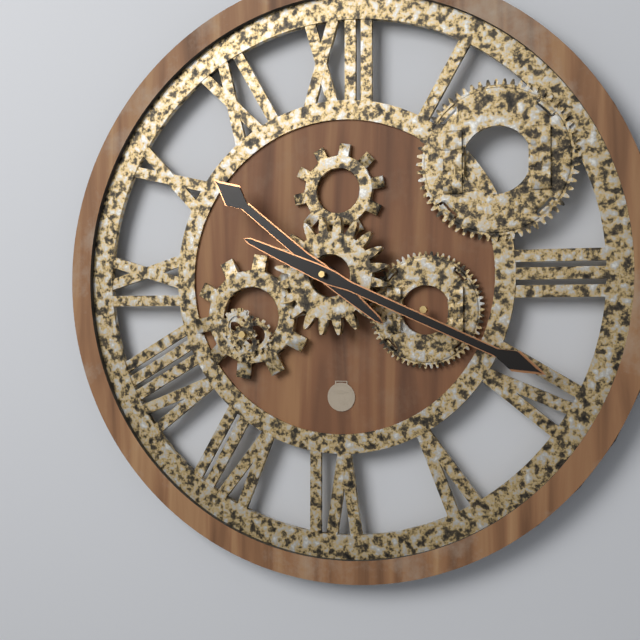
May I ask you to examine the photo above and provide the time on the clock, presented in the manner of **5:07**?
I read **10:19**
